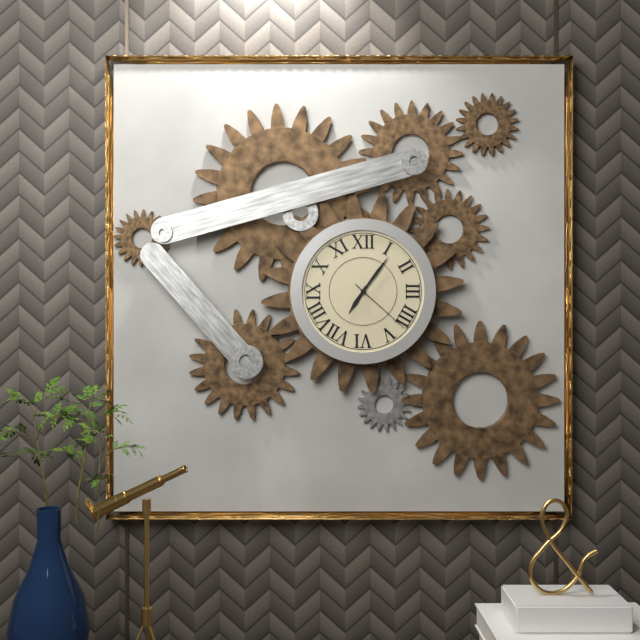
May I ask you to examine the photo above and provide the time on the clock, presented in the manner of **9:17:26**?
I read **7:06:22**
